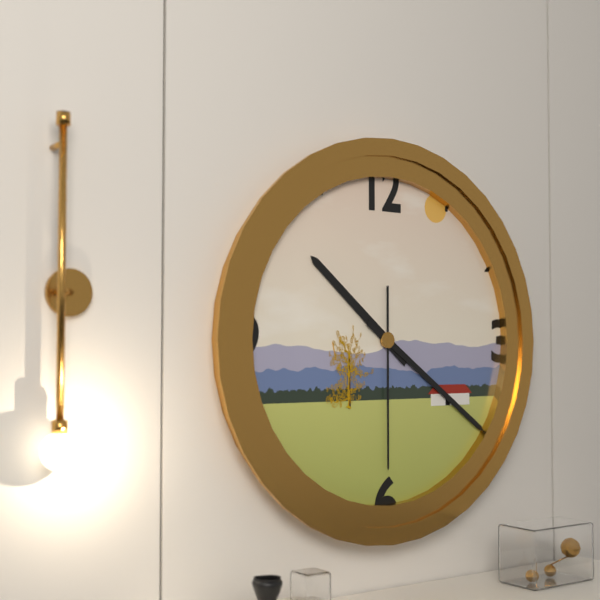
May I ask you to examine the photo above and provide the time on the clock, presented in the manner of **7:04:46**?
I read **10:21:30**
